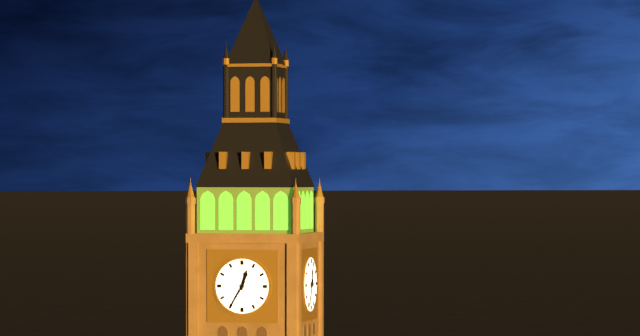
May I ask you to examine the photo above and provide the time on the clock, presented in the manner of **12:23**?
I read **12:35**
